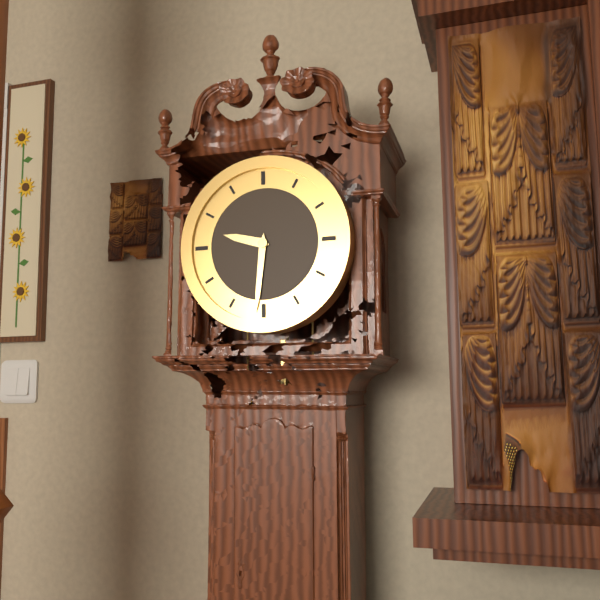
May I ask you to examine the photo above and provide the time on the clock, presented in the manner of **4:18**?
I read **9:31**
